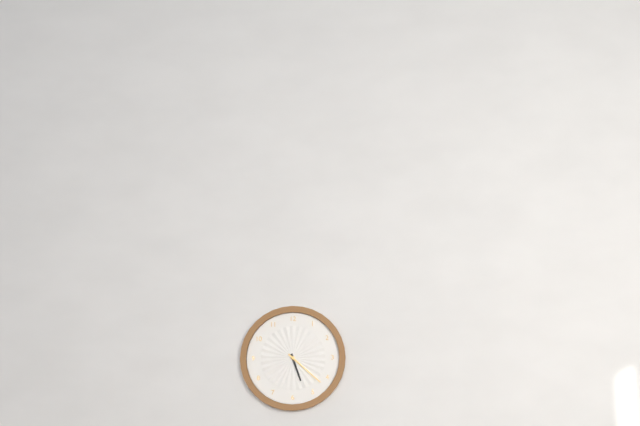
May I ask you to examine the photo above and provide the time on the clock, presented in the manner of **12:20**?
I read **5:22**
